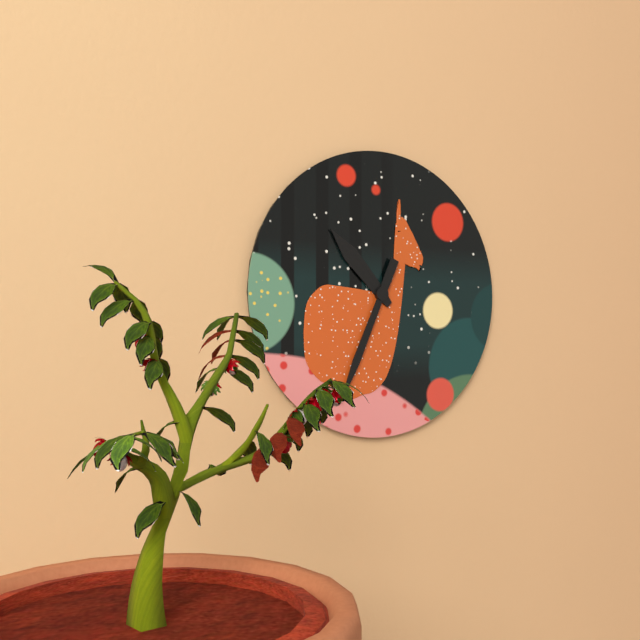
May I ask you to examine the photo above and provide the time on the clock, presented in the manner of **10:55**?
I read **10:34**
